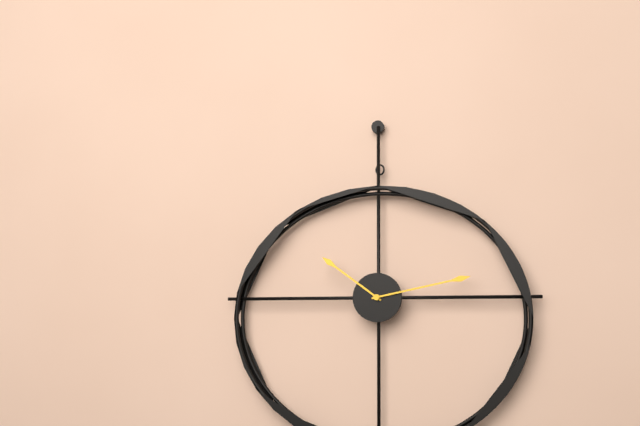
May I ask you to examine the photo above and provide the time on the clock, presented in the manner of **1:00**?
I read **10:13**
